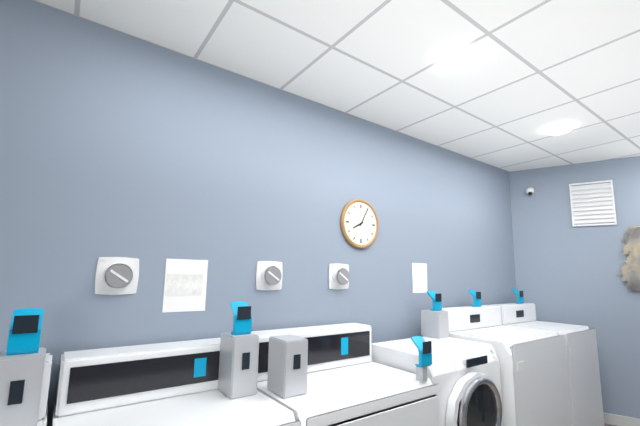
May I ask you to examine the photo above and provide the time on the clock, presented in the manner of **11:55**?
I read **8:05**
